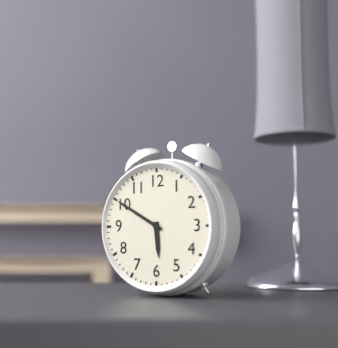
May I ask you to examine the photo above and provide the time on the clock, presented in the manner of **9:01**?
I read **5:50**
